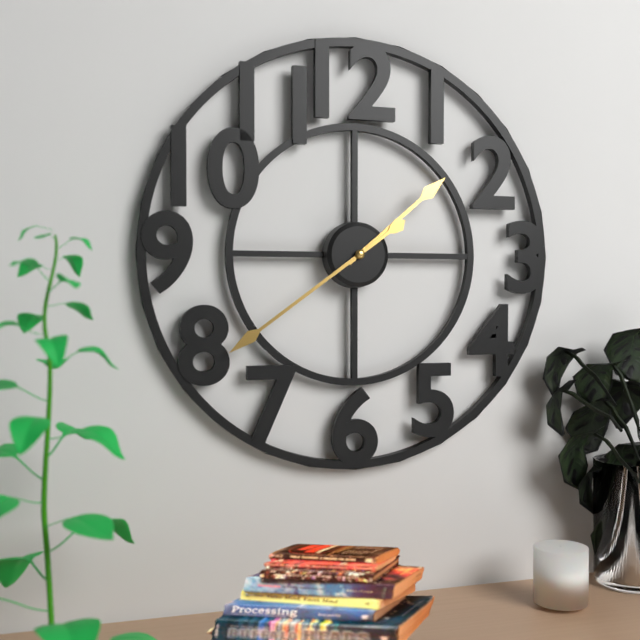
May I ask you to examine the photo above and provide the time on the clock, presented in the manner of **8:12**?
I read **1:39**
